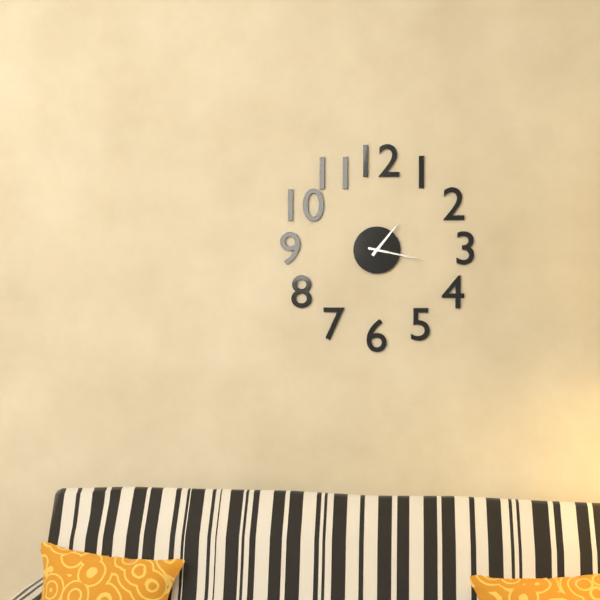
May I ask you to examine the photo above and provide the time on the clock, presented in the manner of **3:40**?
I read **1:17**
